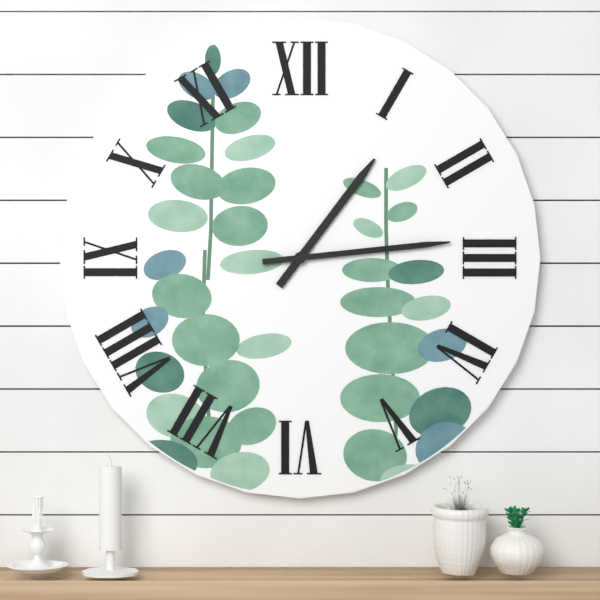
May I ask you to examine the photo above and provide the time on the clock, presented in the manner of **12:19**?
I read **1:14**
